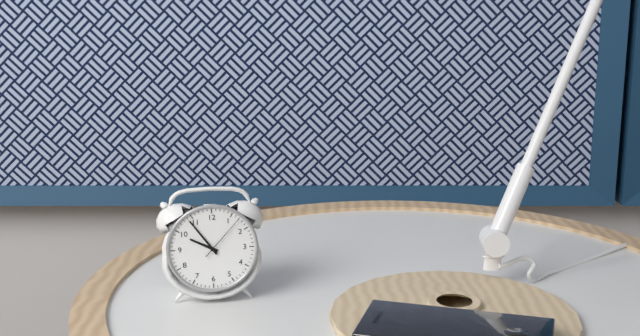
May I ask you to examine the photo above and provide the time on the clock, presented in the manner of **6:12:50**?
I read **9:54:07**
